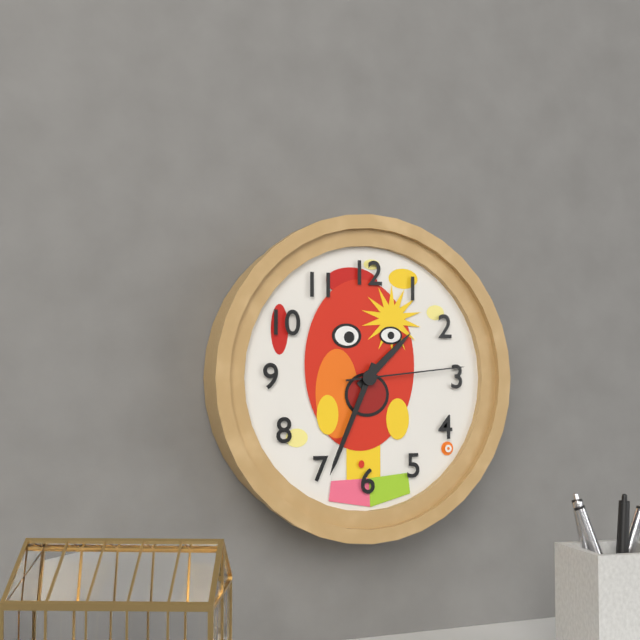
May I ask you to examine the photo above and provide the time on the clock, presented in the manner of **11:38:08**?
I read **1:34:14**
